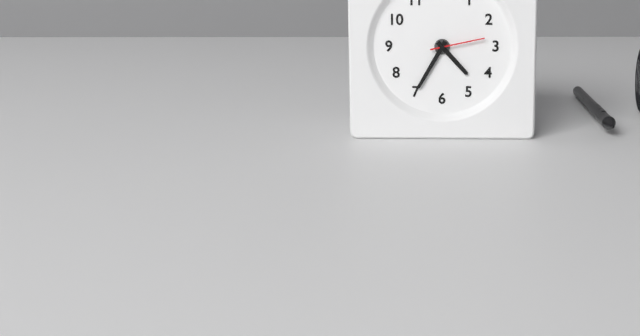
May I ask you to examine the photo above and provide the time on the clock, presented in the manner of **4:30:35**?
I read **4:35:13**
